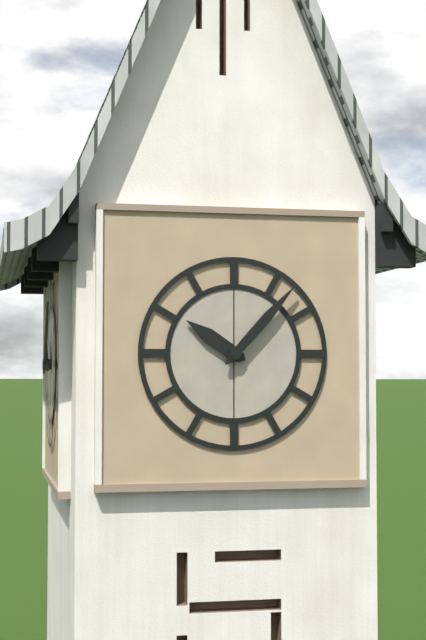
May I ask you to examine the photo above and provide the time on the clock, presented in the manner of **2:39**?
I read **10:07**
